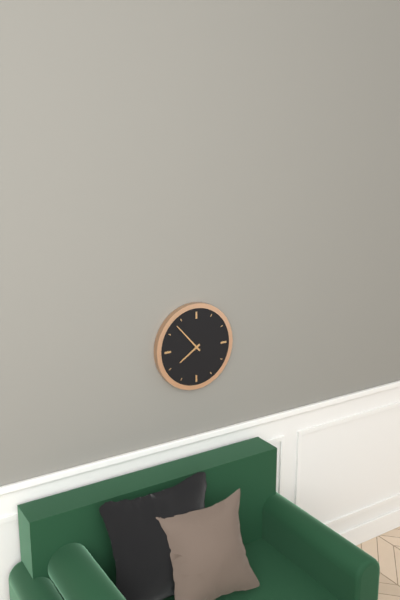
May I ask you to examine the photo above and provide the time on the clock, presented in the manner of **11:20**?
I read **7:53**
